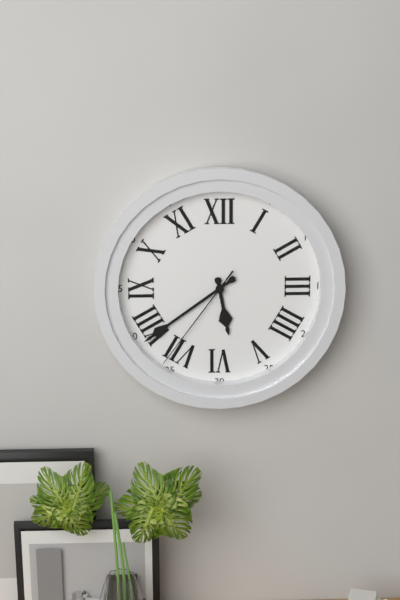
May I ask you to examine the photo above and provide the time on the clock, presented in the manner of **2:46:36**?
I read **5:39:36**
